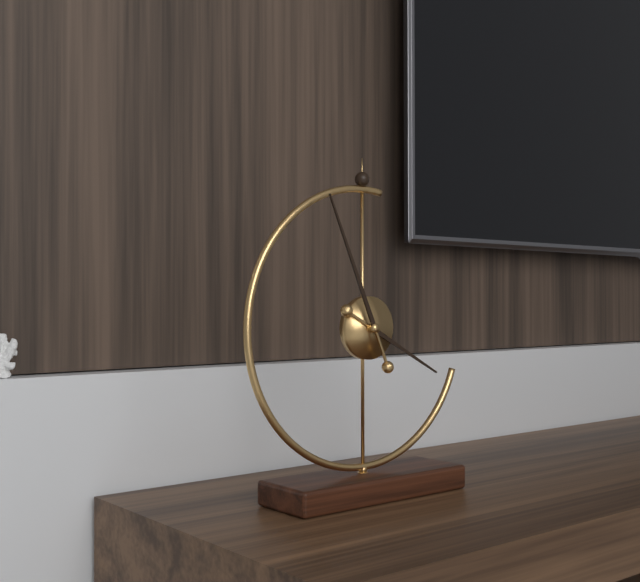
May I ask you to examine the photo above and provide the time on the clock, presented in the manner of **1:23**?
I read **3:56**
